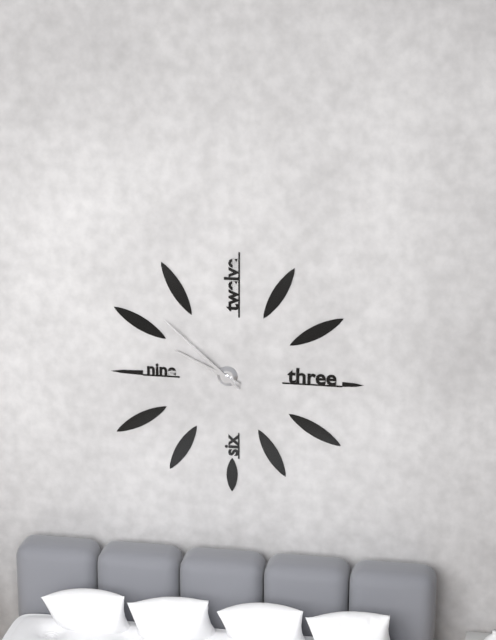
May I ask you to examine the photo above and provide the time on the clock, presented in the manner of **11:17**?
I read **9:52**
